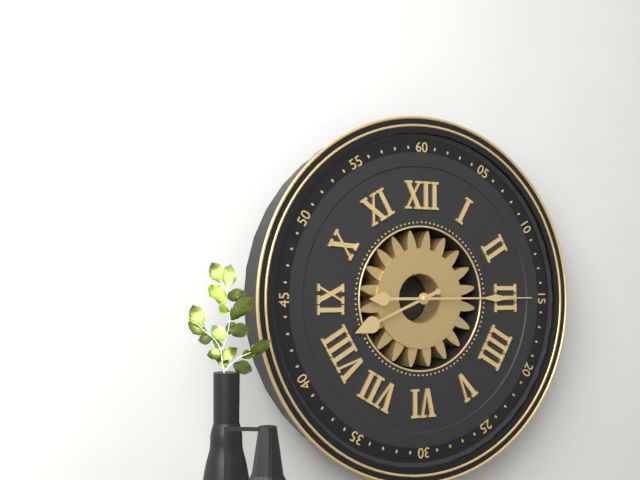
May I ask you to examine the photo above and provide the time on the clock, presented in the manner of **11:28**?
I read **8:15**
